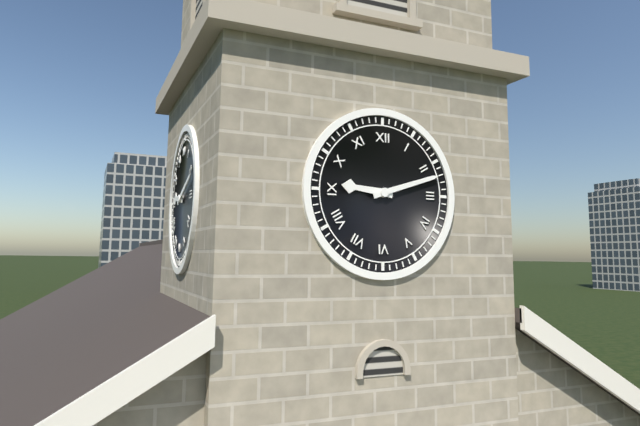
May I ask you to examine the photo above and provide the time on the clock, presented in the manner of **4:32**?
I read **9:12**
